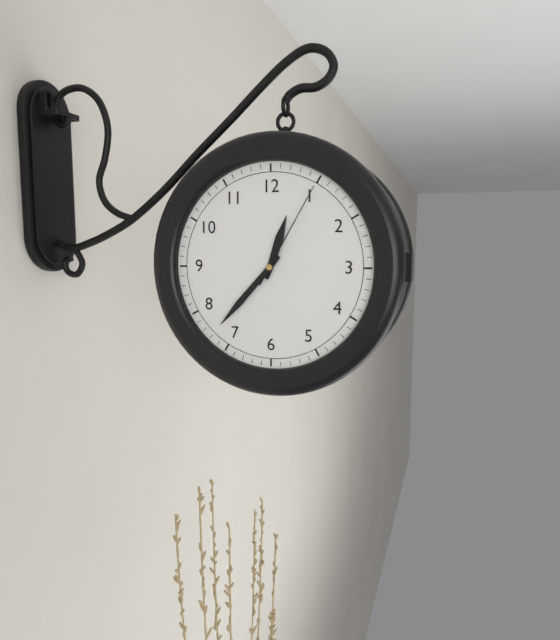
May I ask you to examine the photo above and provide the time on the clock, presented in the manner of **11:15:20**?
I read **12:37:05**
